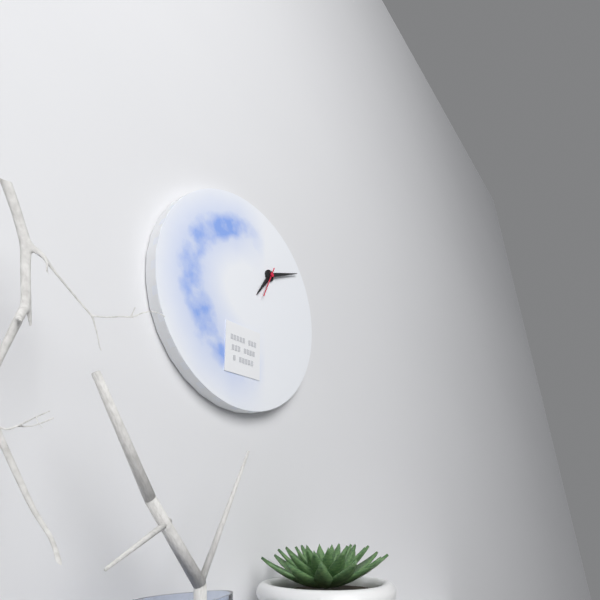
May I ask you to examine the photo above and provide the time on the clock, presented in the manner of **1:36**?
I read **7:11**
